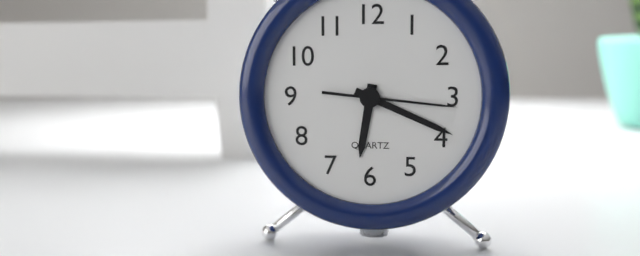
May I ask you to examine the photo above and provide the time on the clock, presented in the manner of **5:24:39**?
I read **6:19:16**
